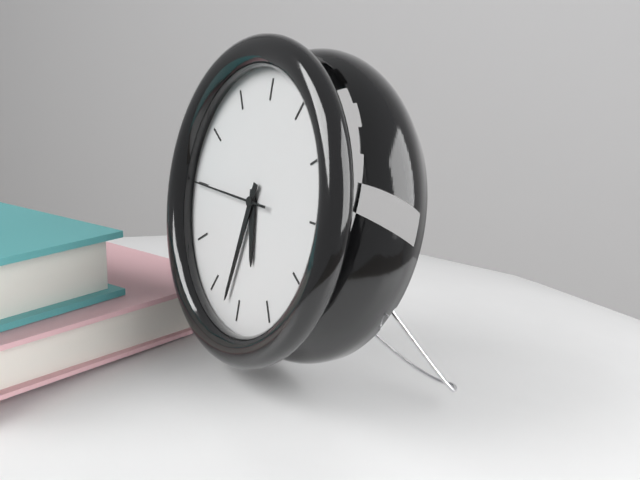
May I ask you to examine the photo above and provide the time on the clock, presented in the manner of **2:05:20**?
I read **5:32:45**
